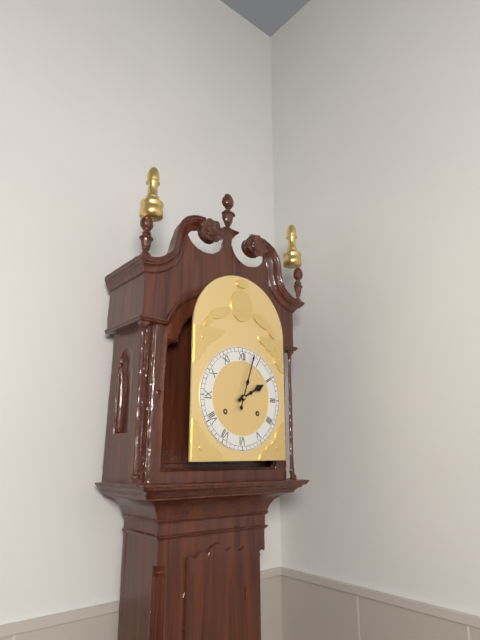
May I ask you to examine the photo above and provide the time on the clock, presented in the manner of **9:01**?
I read **2:03**
